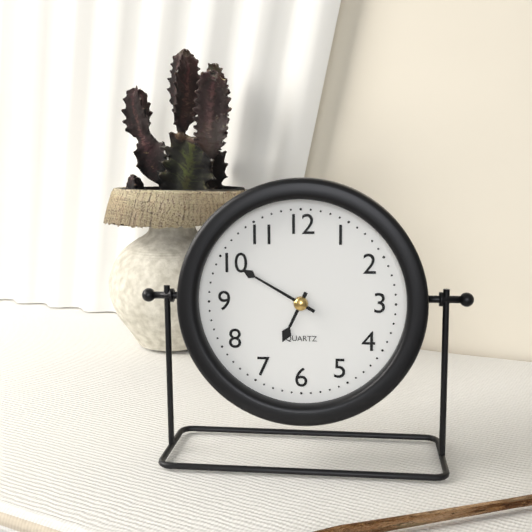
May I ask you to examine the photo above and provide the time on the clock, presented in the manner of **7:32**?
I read **6:50**
